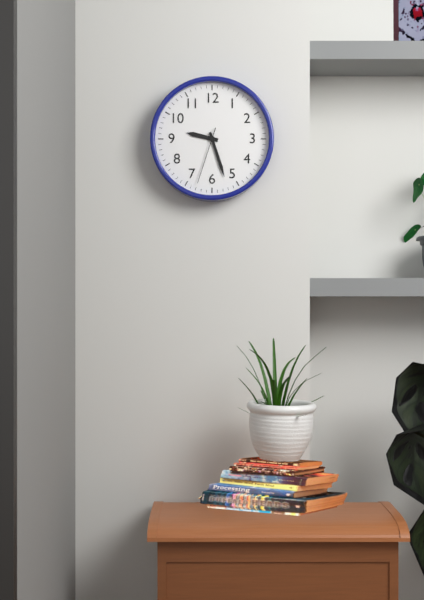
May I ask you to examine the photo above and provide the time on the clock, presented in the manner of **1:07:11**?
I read **9:27:33**
